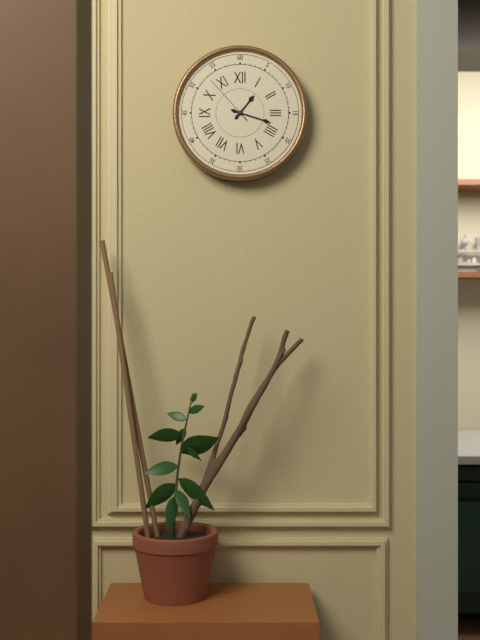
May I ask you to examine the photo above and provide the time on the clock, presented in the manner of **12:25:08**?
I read **1:18:53**
